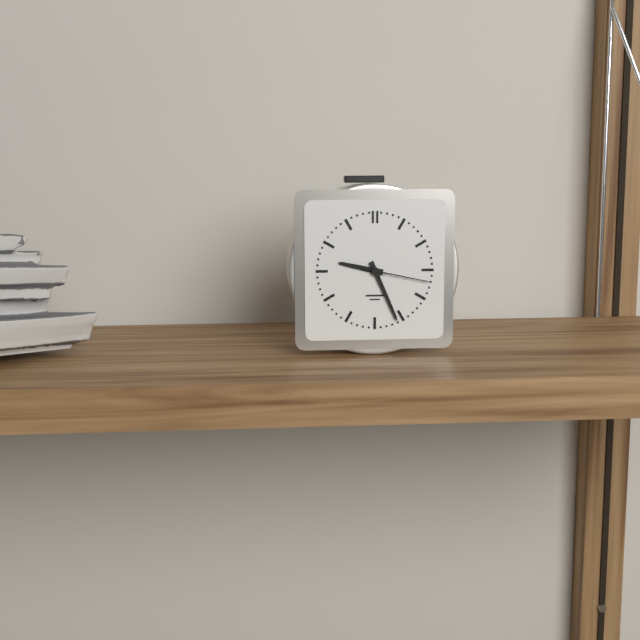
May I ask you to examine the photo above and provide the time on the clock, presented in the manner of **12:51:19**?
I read **9:26:17**
